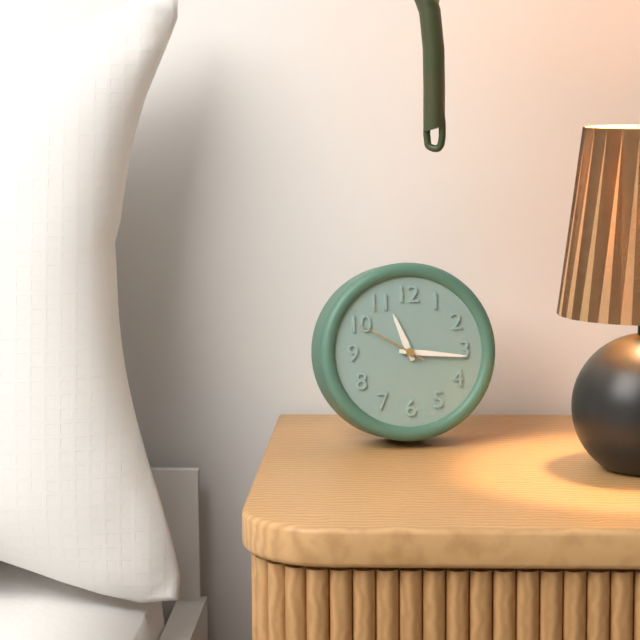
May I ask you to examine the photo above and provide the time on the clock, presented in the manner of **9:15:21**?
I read **11:16:50**
